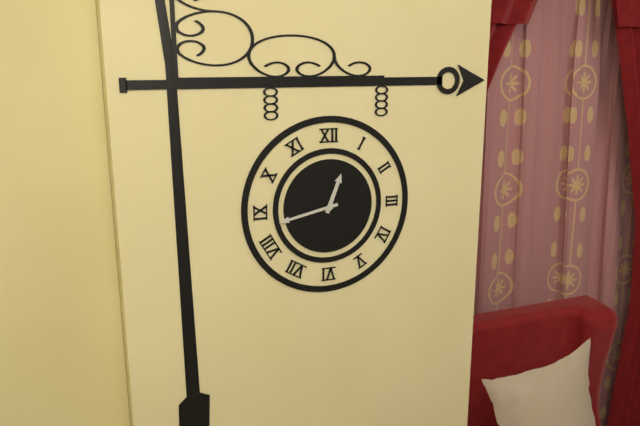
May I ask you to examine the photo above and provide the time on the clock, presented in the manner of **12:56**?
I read **12:43**
